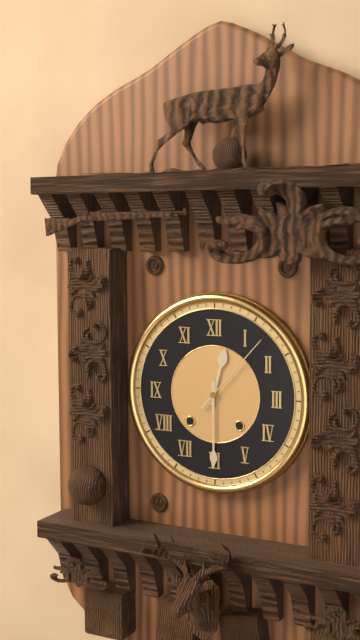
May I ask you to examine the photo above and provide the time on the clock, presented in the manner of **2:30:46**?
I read **12:30:07**
